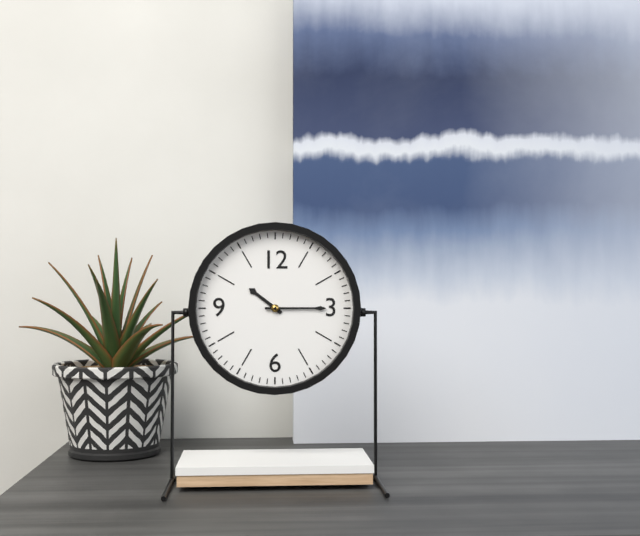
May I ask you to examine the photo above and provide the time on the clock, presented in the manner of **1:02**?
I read **10:15**
